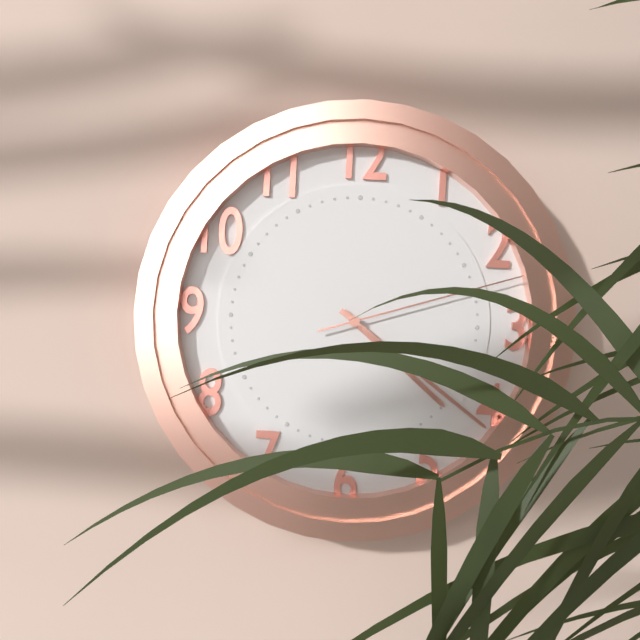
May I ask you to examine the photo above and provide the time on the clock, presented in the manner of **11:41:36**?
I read **4:21:12**
